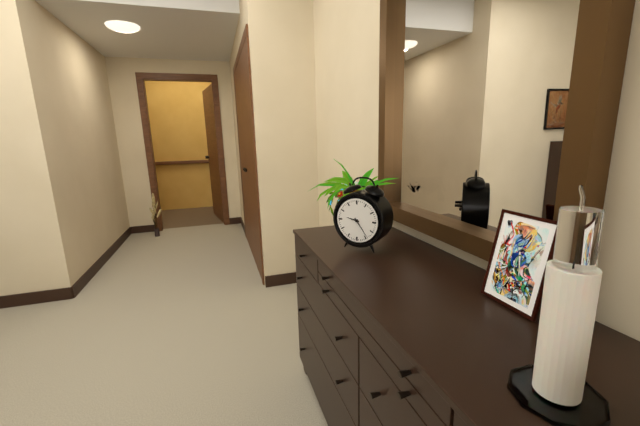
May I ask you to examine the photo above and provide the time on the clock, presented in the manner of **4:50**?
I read **9:24**
